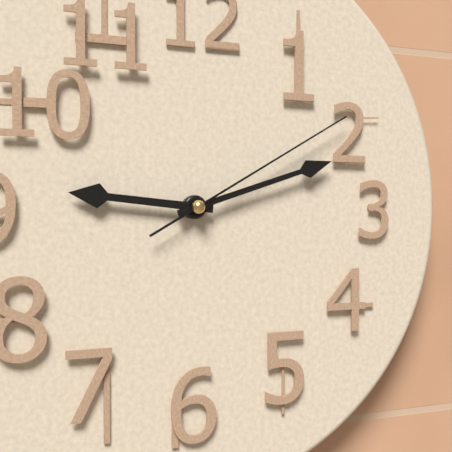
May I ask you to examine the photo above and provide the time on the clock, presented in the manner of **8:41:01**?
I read **9:12:10**
